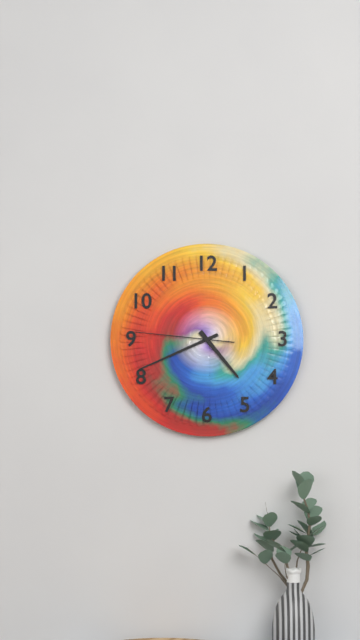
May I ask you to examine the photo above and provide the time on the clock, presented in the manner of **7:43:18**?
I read **4:41:46**
